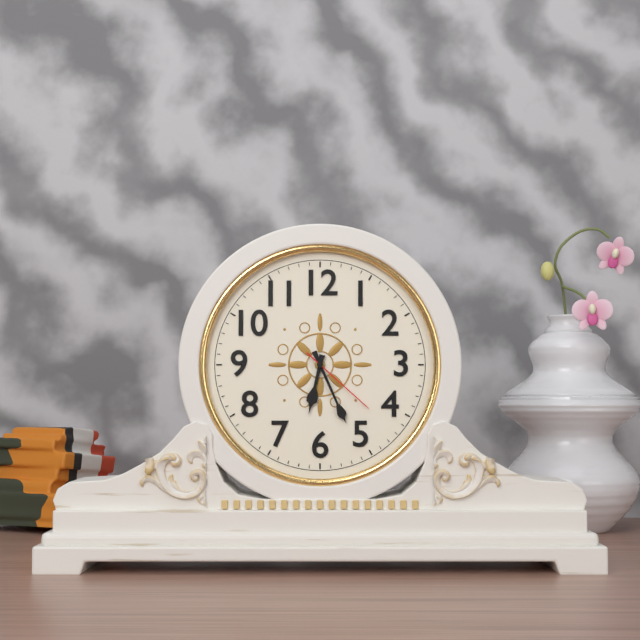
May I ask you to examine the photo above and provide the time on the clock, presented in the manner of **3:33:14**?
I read **6:26:22**
